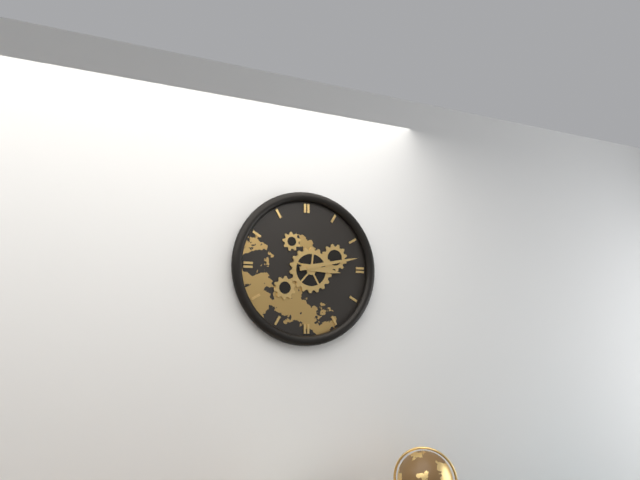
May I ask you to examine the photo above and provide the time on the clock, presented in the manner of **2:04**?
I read **3:13**
